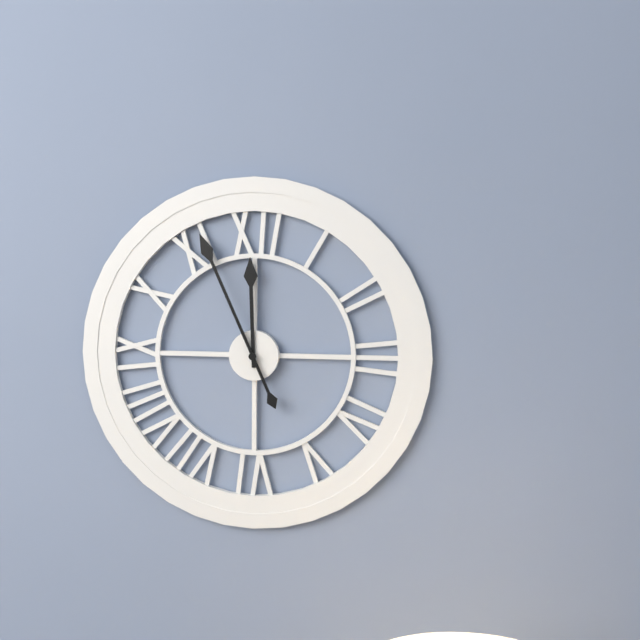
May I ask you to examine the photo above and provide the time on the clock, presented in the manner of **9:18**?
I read **11:56**
